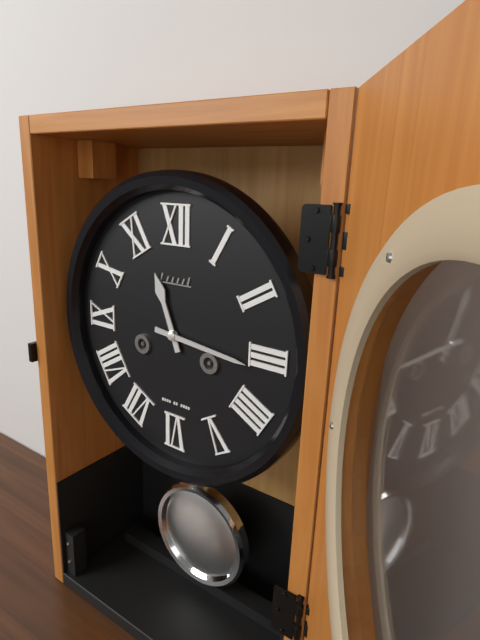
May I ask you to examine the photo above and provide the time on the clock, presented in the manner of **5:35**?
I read **11:16**
